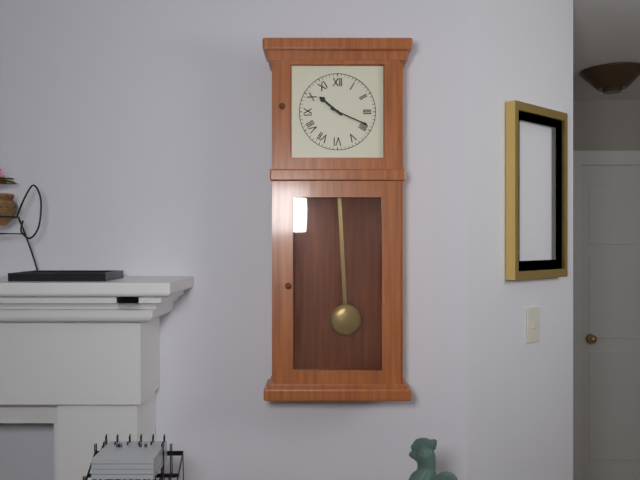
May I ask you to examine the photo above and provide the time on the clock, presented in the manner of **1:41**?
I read **10:19**
